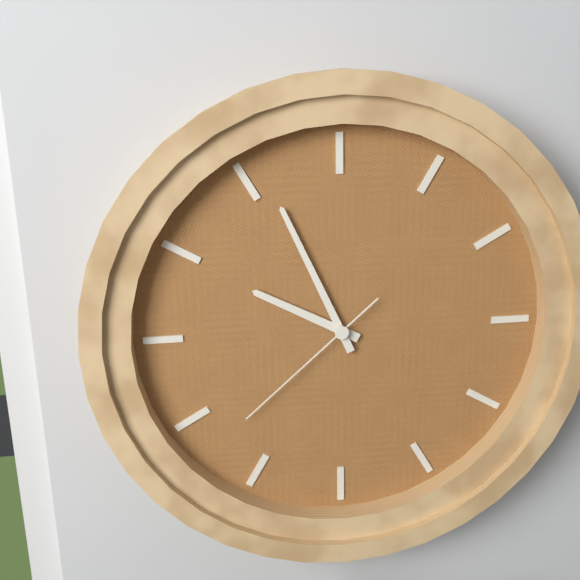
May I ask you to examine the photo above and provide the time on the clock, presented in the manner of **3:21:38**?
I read **9:56:38**
